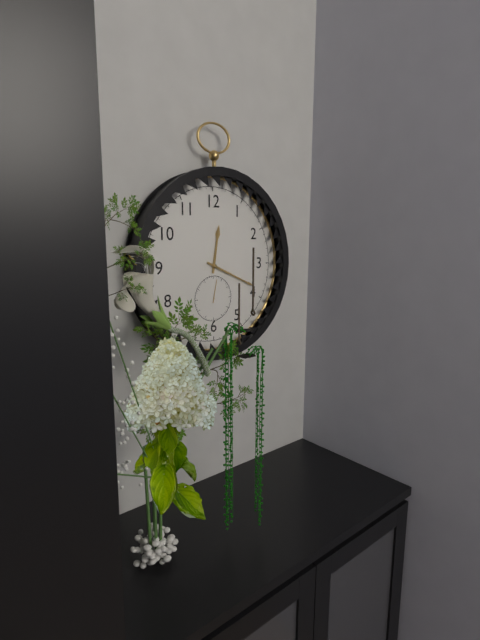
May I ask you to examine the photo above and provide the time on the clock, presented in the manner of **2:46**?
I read **12:19**
